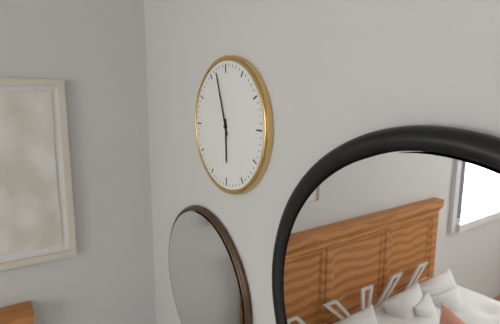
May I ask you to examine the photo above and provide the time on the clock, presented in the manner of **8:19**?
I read **5:57**
